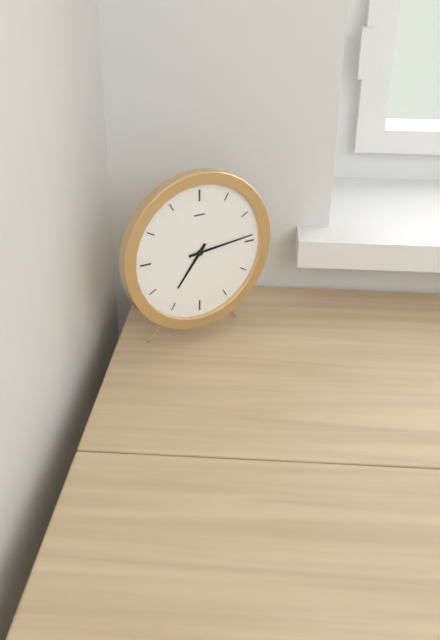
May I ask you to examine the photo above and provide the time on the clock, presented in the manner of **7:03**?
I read **7:14**
